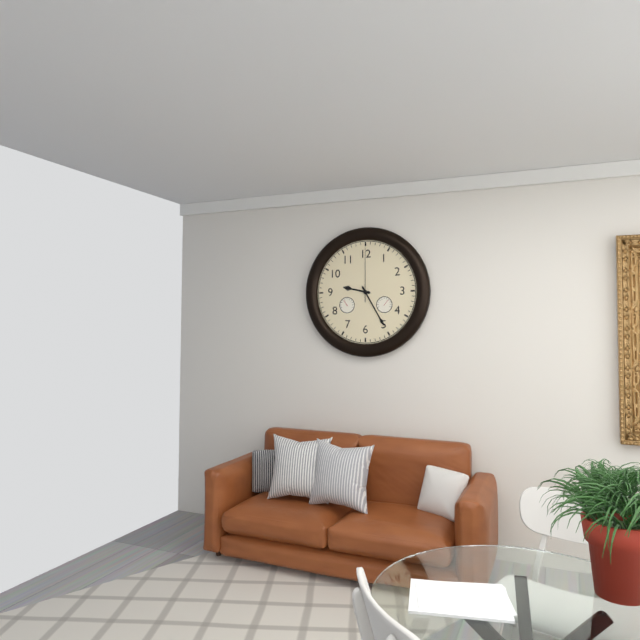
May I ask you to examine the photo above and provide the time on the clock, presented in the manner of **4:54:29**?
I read **9:25:00**
